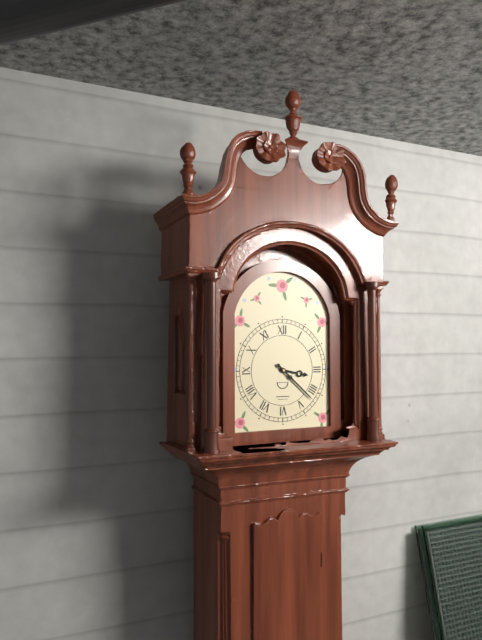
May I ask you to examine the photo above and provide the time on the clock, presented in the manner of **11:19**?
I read **3:22**
